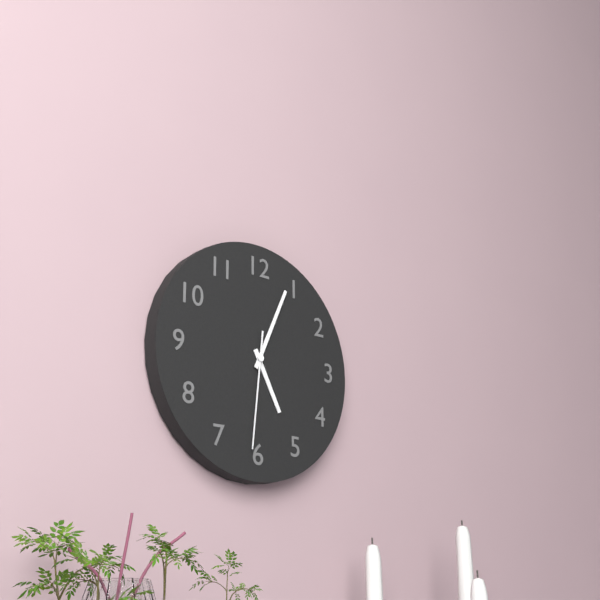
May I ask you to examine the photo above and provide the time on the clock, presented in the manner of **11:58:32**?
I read **5:04:31**
